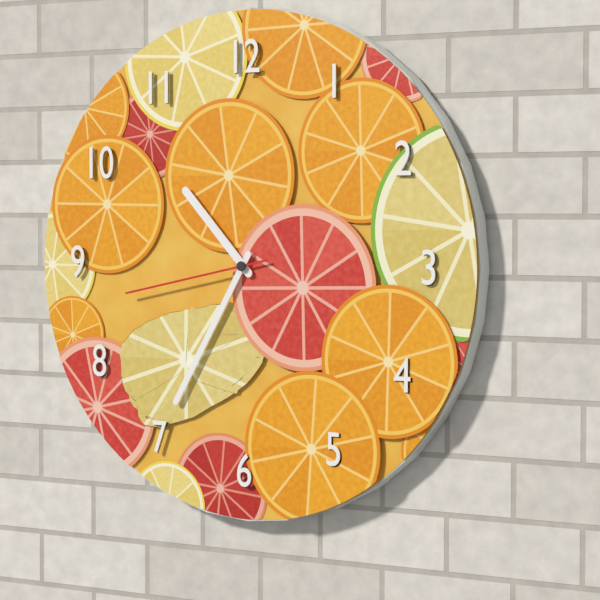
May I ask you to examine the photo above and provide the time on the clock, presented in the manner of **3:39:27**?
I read **10:35:43**
